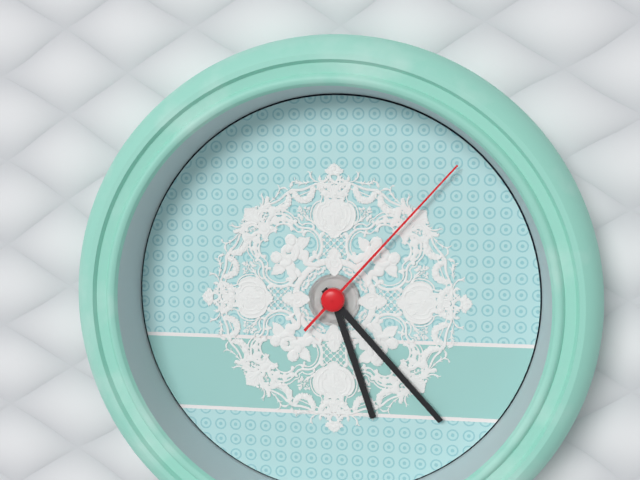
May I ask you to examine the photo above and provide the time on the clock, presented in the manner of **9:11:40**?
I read **5:23:07**
